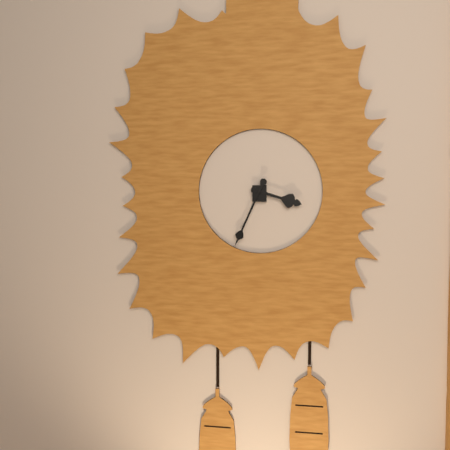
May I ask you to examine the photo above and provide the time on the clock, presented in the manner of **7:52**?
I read **3:34**
